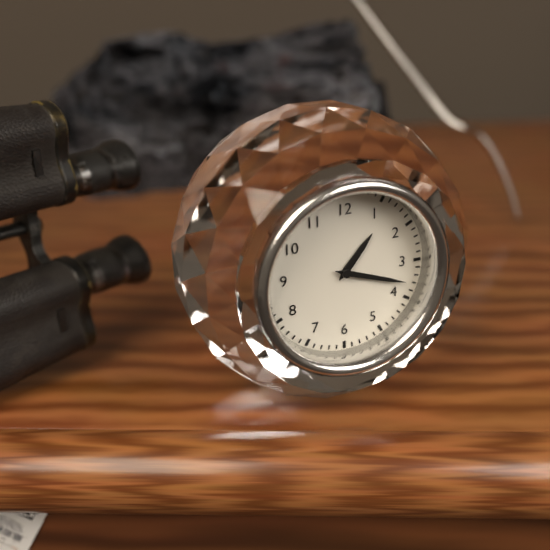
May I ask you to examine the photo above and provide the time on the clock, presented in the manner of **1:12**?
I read **1:18**
